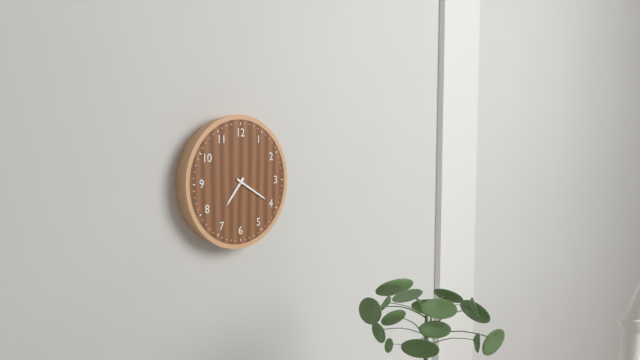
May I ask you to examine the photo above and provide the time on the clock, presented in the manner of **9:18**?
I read **7:20**
